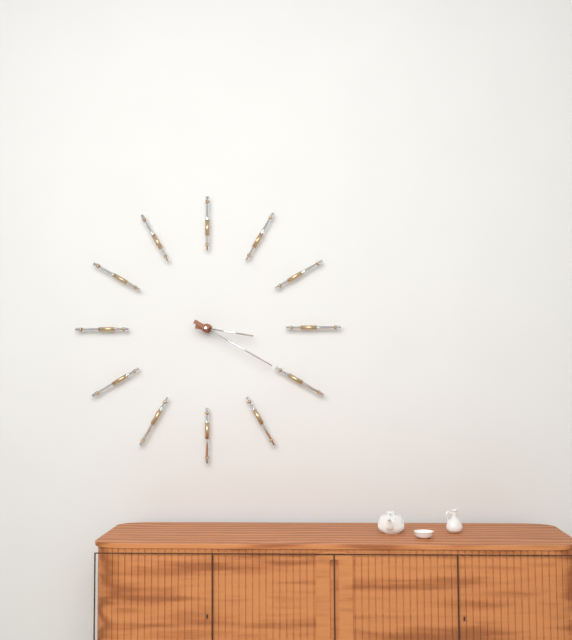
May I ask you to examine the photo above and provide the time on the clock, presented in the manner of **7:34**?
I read **3:20**
